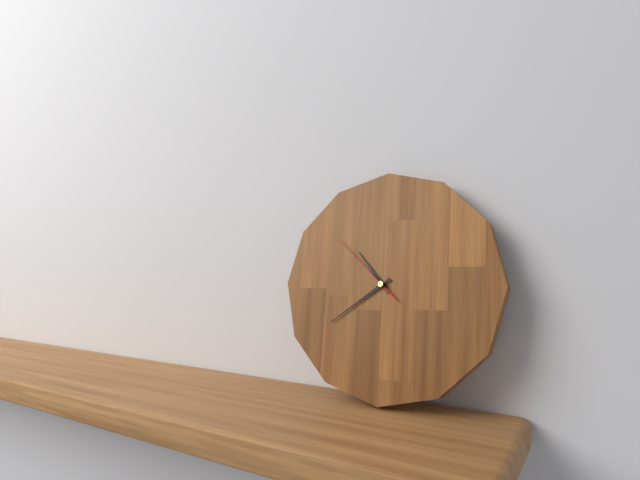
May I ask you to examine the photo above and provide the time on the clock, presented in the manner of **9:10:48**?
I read **10:39:52**
